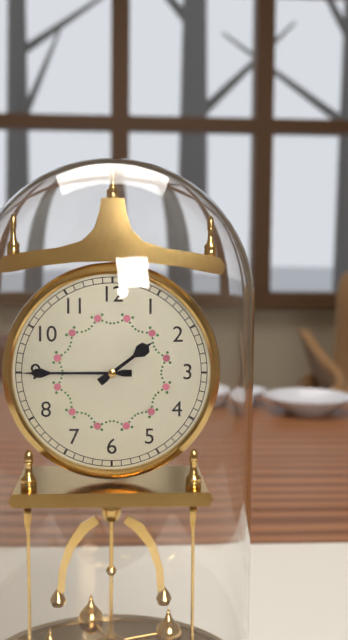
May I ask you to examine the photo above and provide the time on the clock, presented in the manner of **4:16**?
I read **1:45**
